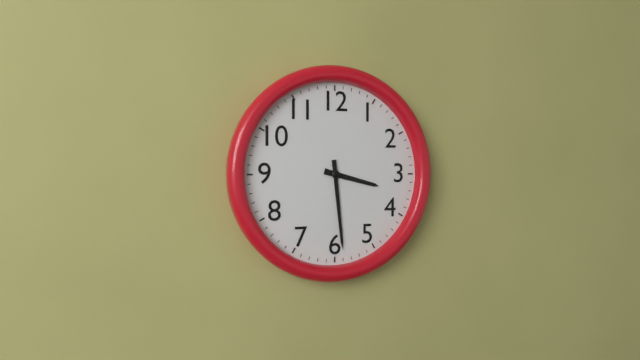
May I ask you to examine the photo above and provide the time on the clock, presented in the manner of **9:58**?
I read **3:29**
